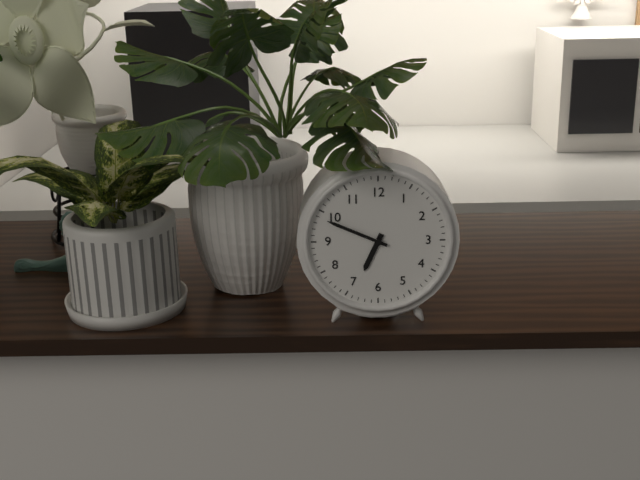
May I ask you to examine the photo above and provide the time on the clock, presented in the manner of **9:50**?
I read **6:49**
